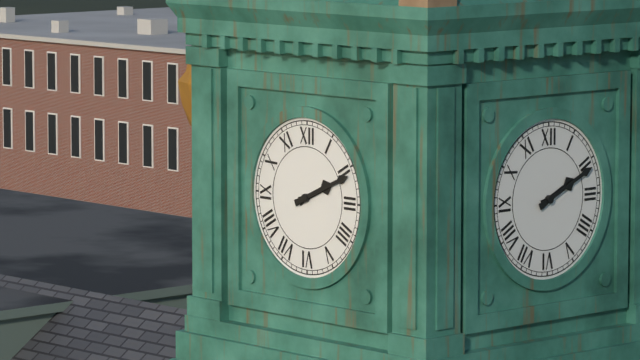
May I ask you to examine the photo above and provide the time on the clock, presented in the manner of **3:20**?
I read **2:11**
